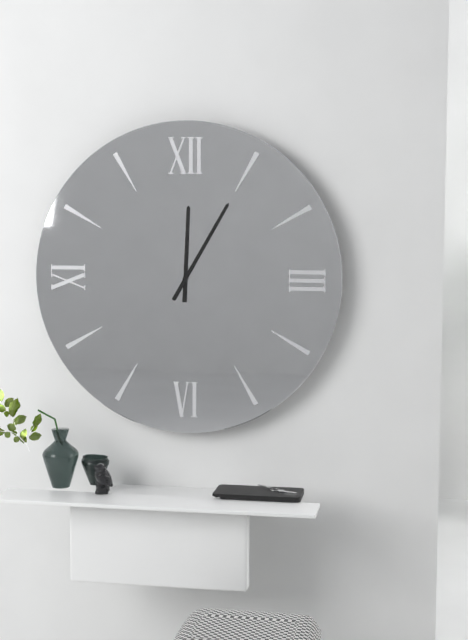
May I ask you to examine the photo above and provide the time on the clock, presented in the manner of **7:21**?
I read **12:05**
